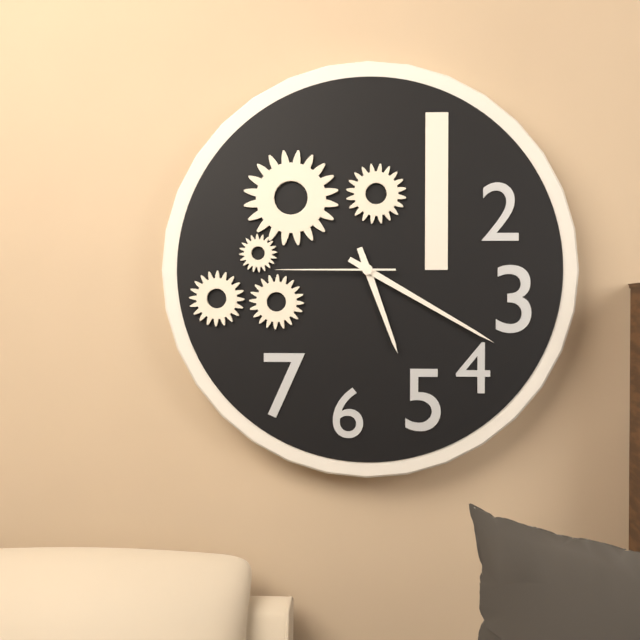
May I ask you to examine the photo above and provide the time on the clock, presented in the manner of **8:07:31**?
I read **5:20:45**
